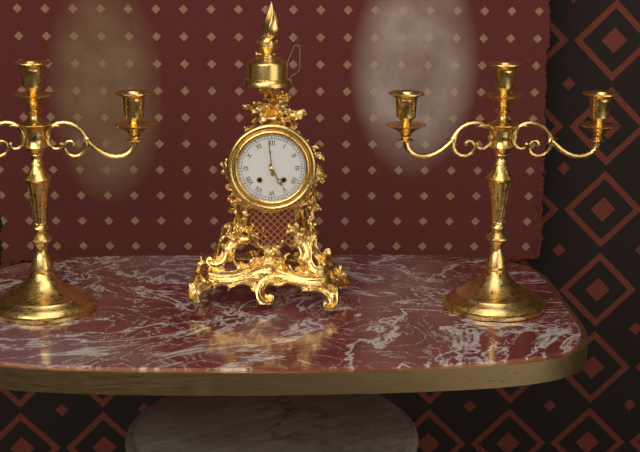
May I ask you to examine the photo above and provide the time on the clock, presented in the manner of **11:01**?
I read **4:59**
